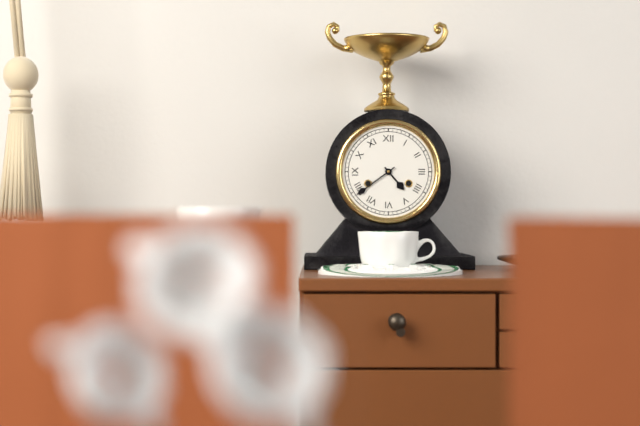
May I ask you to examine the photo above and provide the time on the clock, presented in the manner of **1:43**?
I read **4:39**
